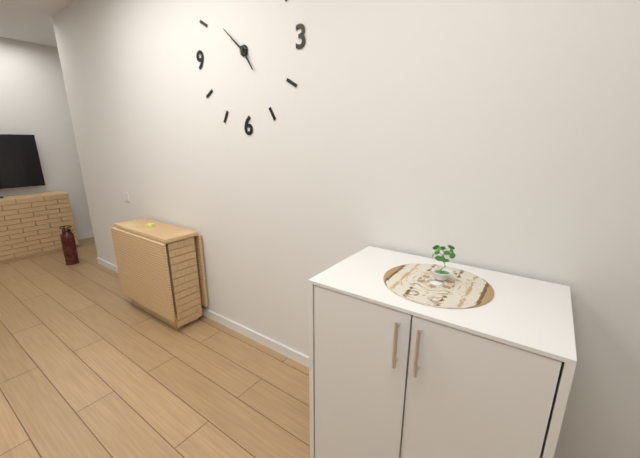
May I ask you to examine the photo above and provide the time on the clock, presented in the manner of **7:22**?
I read **4:52**
